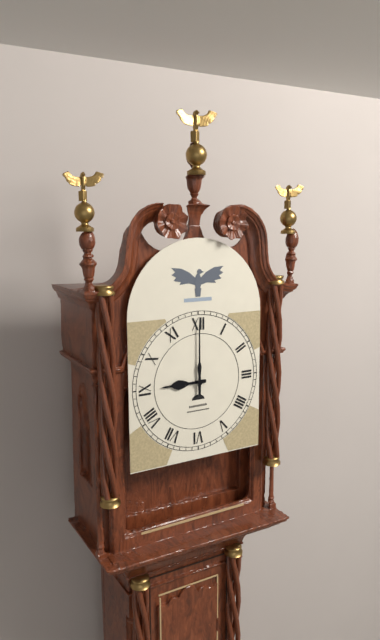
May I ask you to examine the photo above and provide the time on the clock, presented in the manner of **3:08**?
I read **9:00**
